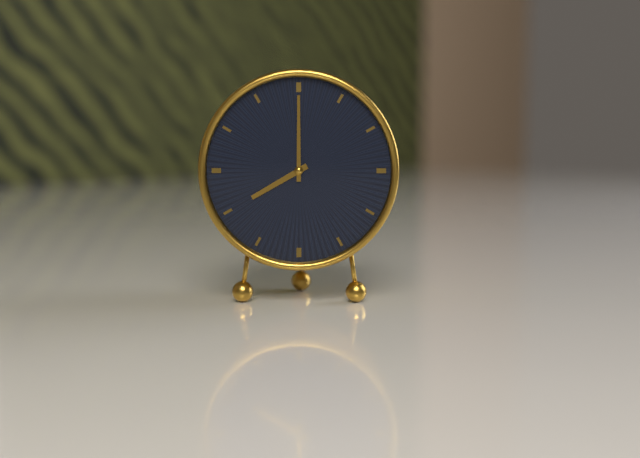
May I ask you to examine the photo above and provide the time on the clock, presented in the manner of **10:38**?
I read **8:00**
